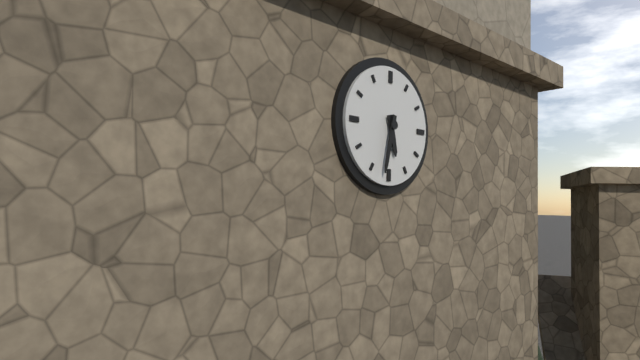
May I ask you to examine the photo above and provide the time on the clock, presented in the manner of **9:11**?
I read **5:32**
